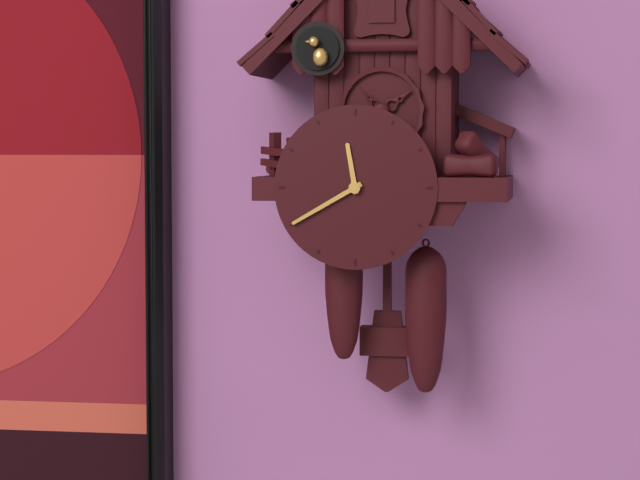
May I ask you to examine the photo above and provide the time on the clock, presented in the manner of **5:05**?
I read **11:40**
